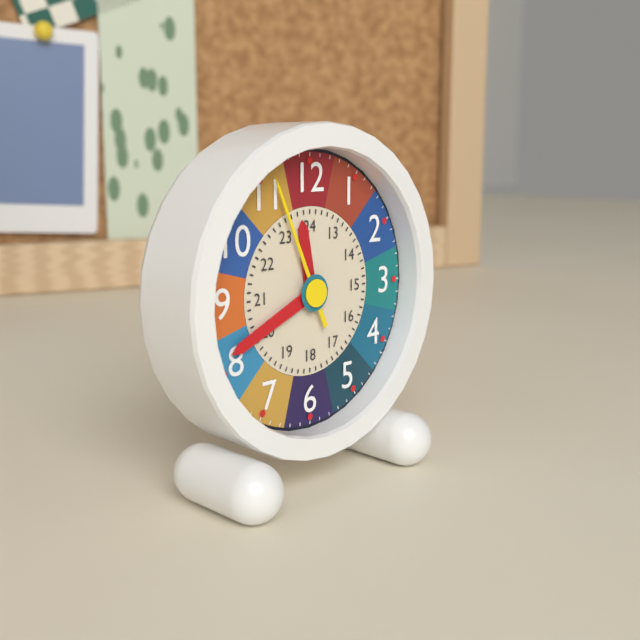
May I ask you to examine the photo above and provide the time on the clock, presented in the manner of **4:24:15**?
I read **11:41:56**
